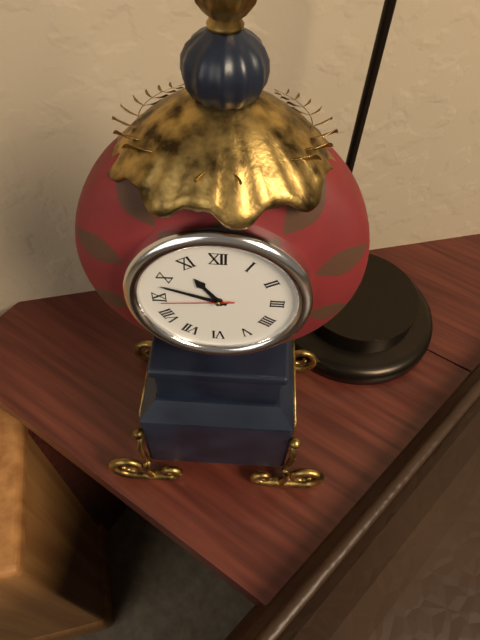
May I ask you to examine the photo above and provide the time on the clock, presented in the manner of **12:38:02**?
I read **10:48:44**
